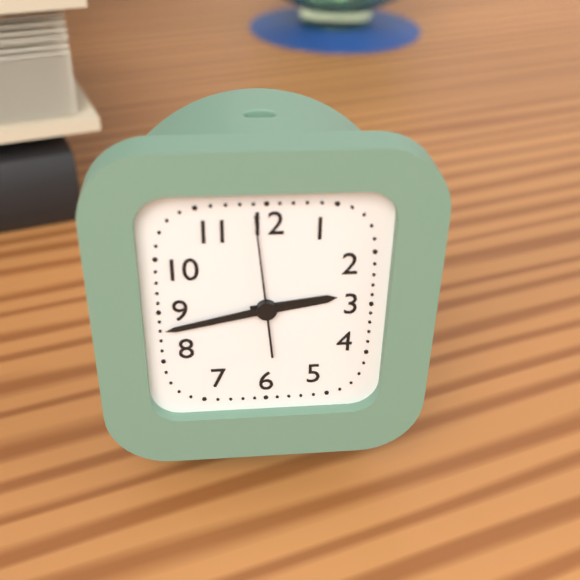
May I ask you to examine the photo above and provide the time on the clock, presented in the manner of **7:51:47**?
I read **2:43:59**
